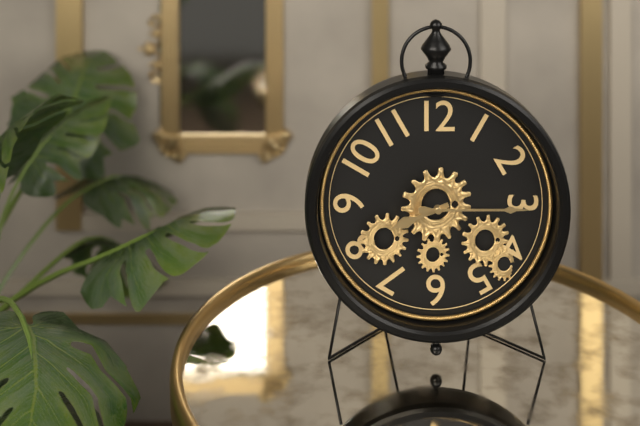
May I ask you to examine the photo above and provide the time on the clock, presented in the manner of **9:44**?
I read **8:15**
